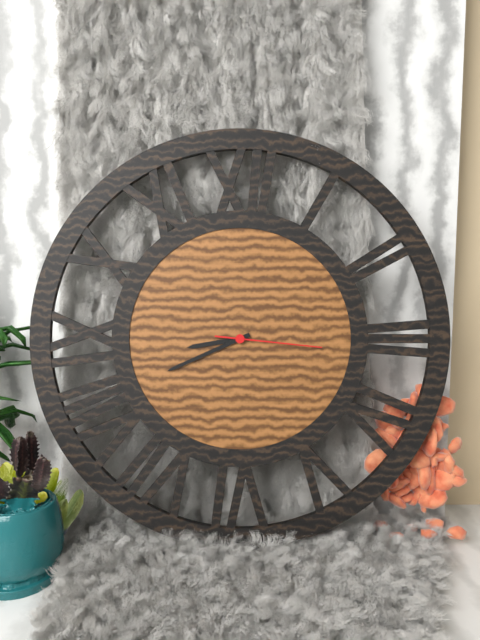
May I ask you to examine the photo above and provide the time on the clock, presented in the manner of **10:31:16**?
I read **8:41:16**
